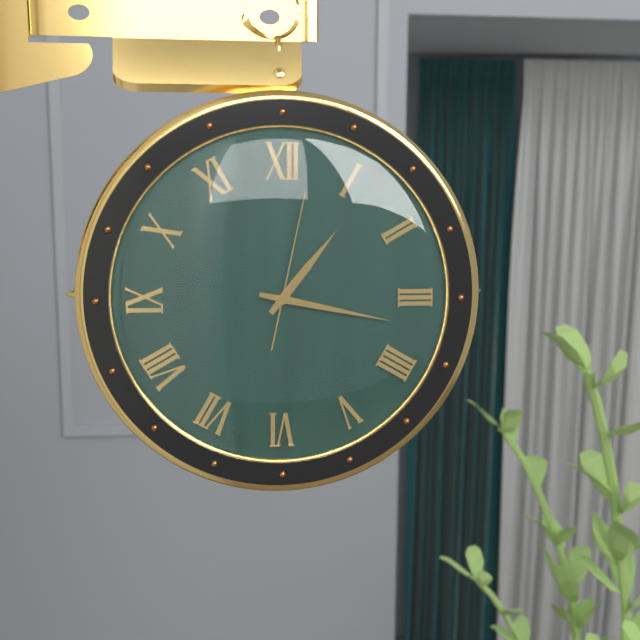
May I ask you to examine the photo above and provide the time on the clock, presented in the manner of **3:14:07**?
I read **1:17:02**
